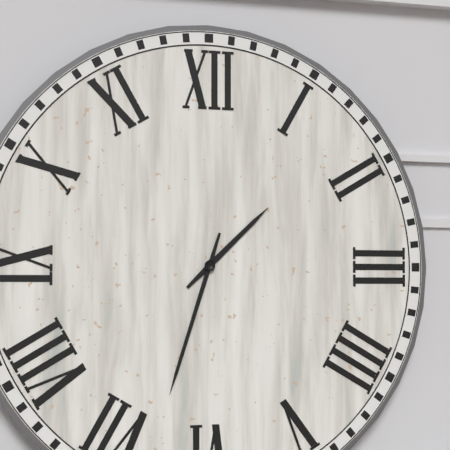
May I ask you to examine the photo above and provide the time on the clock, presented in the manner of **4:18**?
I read **1:33**
